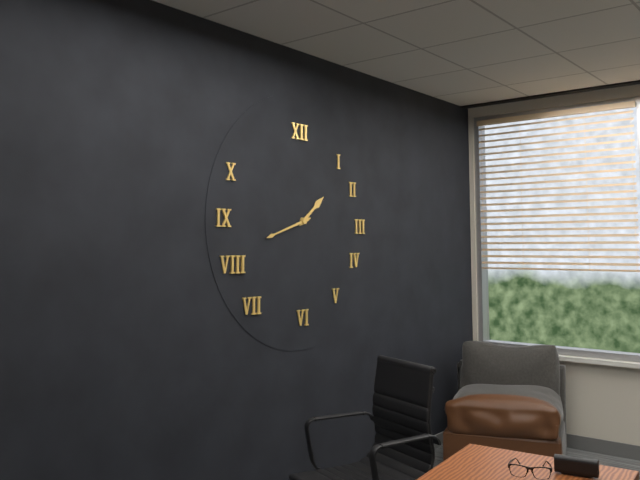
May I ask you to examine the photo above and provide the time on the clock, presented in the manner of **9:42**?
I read **1:42**
